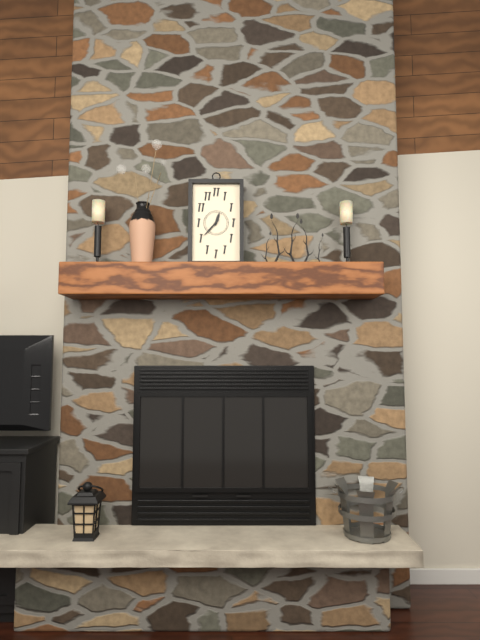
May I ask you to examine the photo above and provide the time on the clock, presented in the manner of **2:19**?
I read **12:37**
